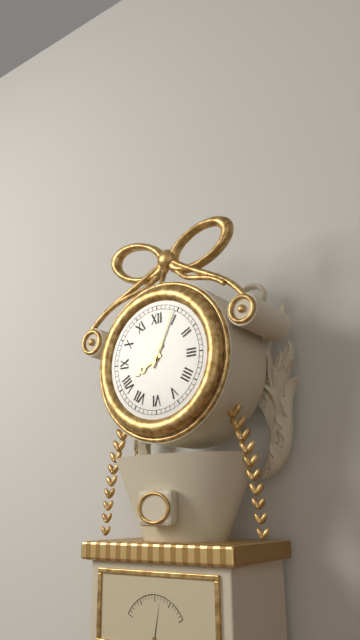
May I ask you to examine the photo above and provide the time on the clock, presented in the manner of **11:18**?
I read **8:04**
